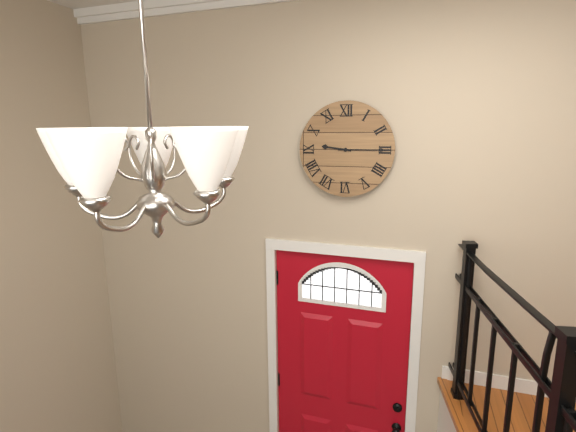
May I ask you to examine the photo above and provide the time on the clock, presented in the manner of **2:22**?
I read **9:15**
